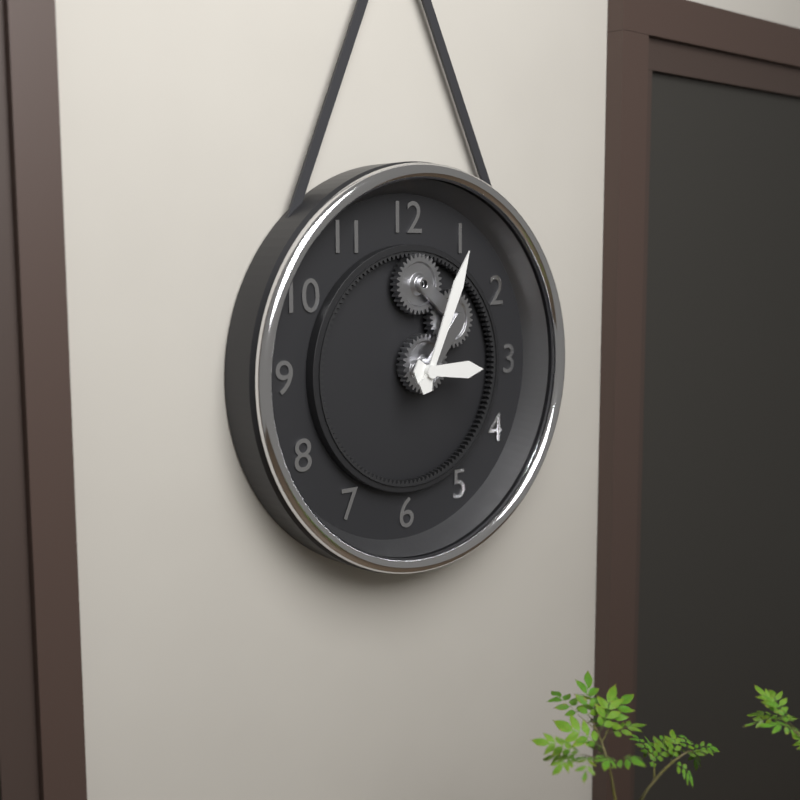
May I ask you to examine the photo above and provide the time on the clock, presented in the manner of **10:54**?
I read **3:04**
